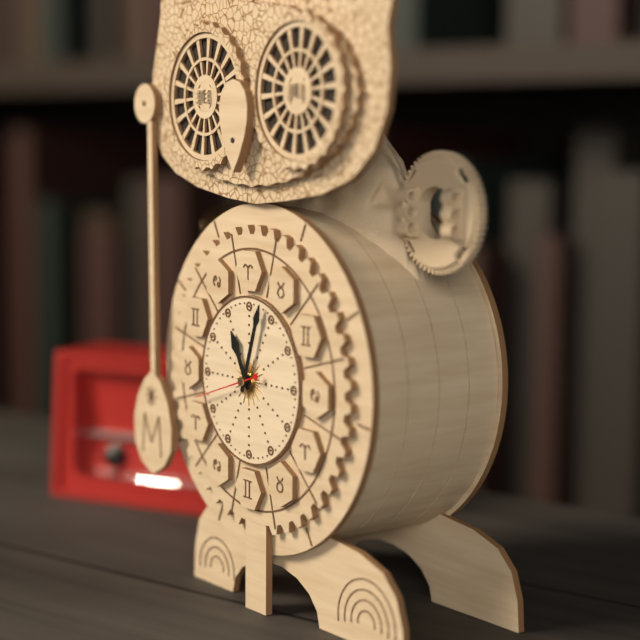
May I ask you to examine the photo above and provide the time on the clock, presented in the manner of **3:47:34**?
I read **11:03:42**
